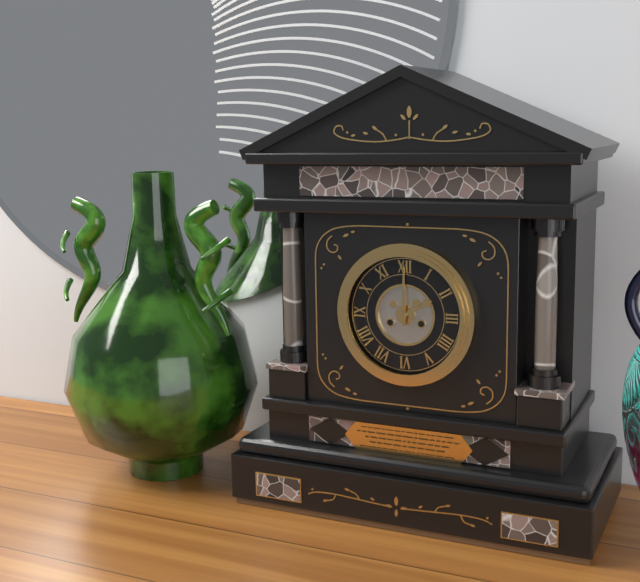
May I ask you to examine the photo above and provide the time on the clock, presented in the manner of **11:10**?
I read **2:00**
